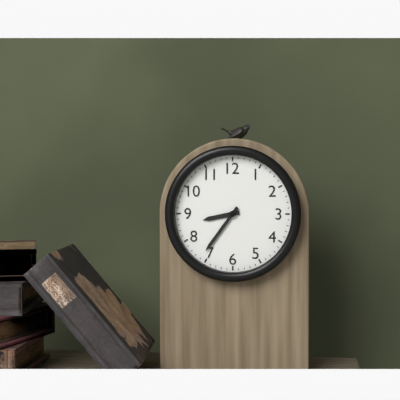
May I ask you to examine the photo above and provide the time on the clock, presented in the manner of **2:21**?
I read **8:36**
